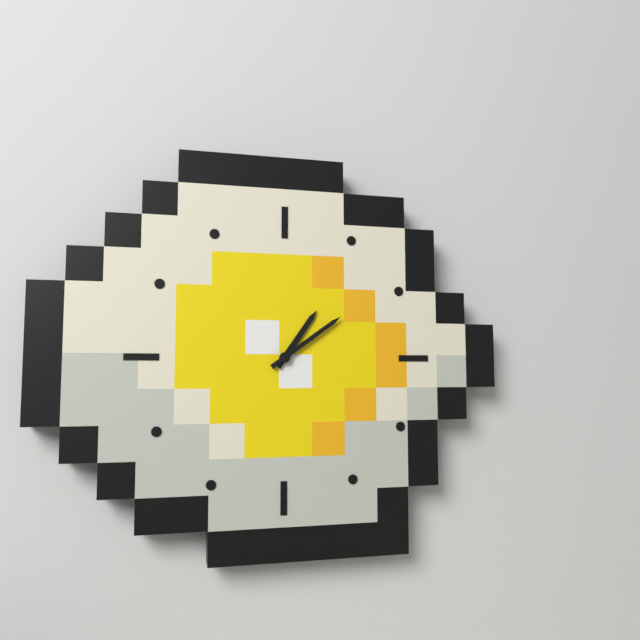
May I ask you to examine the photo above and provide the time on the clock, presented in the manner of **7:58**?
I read **1:09**
